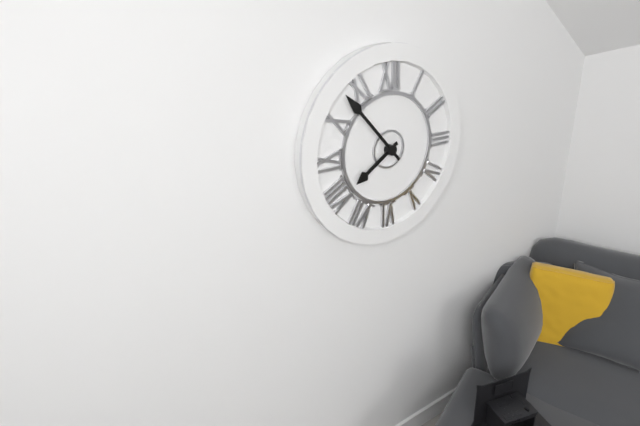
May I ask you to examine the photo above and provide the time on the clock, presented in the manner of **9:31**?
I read **7:53**
